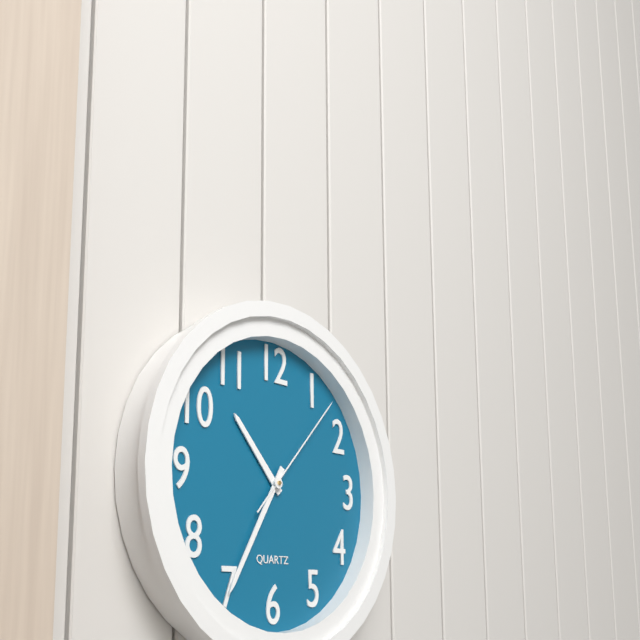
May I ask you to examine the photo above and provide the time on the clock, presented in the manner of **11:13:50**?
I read **10:35:07**
